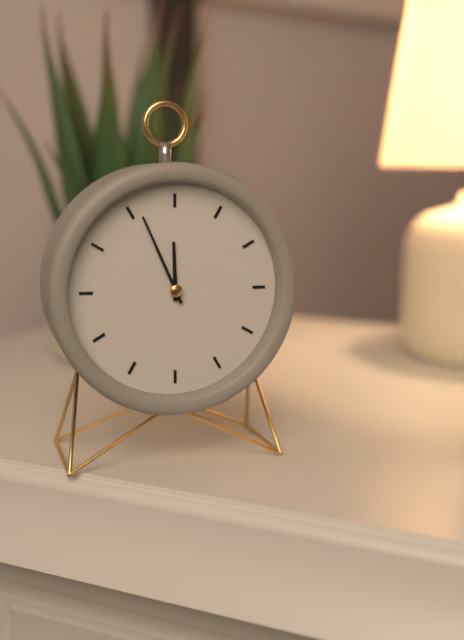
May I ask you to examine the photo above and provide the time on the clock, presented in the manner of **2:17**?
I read **11:56**
